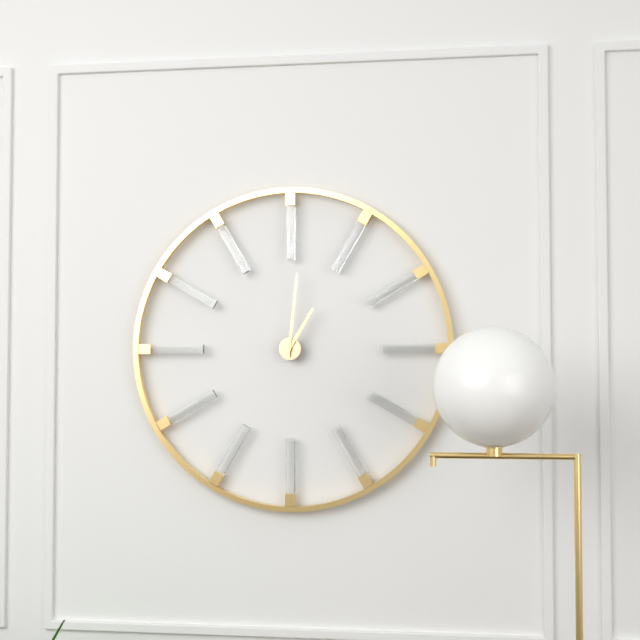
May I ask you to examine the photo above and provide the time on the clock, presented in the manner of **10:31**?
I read **1:01**
